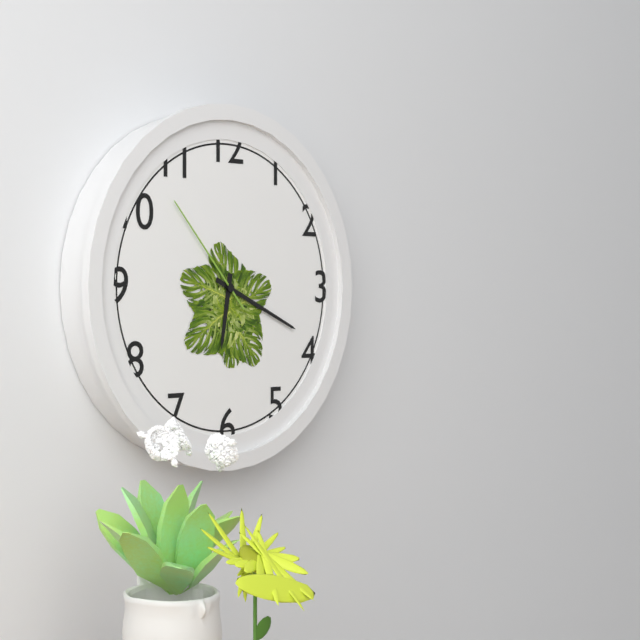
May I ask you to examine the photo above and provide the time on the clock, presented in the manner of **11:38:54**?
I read **6:19:53**
